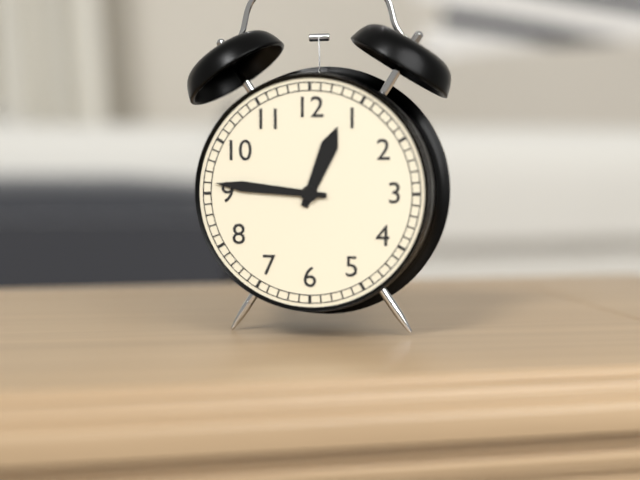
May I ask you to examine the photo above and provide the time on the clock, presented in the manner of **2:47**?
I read **12:46**
